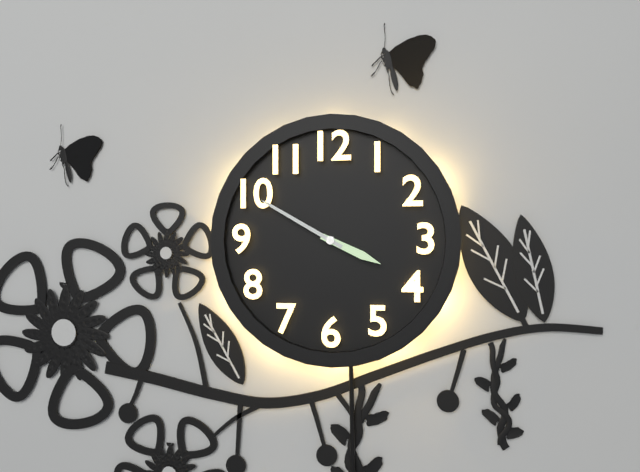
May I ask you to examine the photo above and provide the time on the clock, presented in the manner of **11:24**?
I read **3:50**
